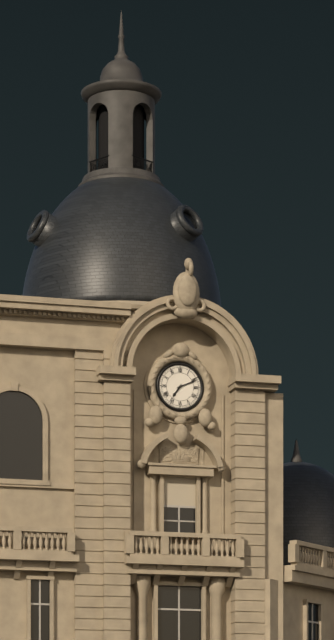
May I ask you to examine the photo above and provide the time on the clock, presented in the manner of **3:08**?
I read **7:11**
